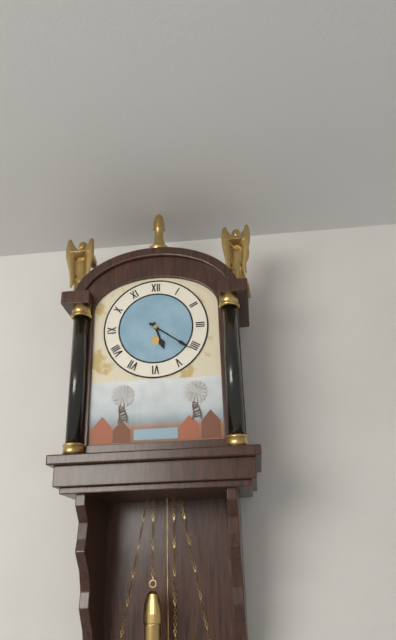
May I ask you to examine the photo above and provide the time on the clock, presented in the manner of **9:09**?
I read **5:21**
